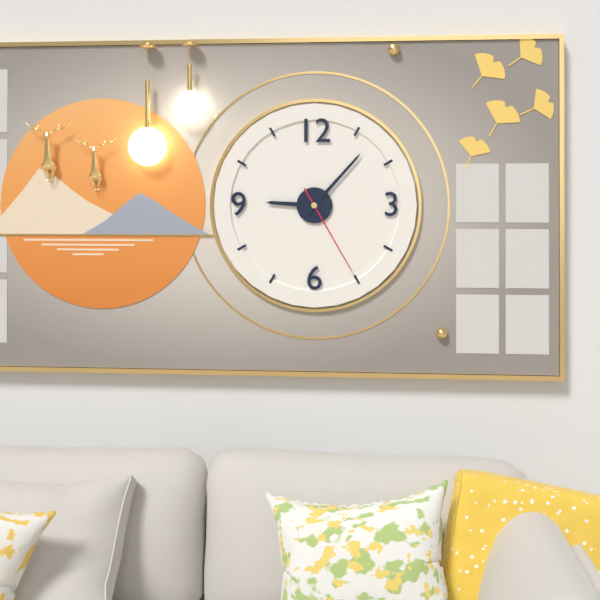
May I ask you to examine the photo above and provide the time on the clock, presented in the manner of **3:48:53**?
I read **9:07:25**
